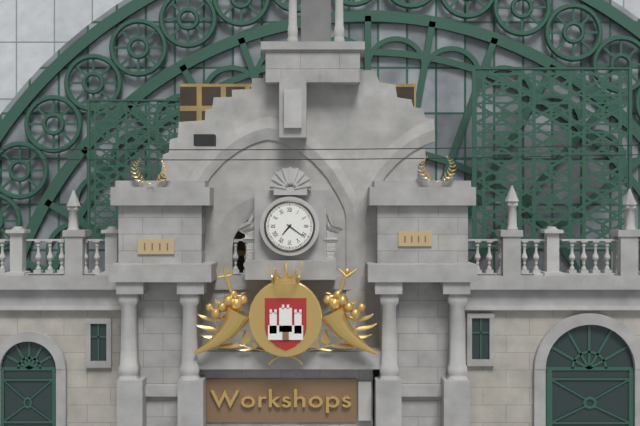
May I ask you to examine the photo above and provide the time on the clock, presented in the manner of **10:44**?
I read **7:21**
